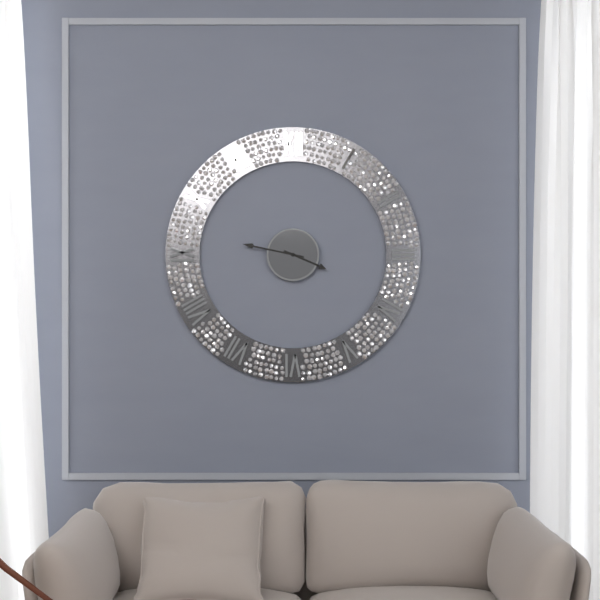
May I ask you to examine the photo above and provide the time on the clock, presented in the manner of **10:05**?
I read **3:47**
